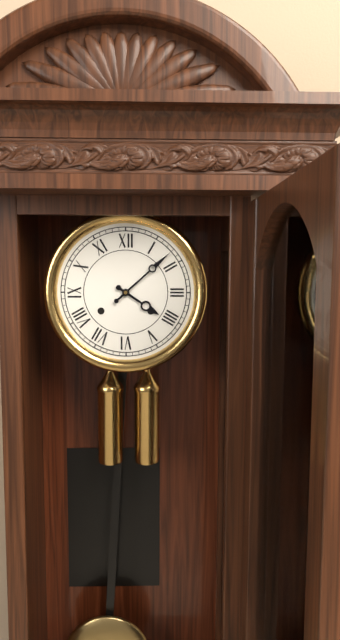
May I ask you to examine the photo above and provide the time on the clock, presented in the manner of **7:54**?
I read **4:08**
